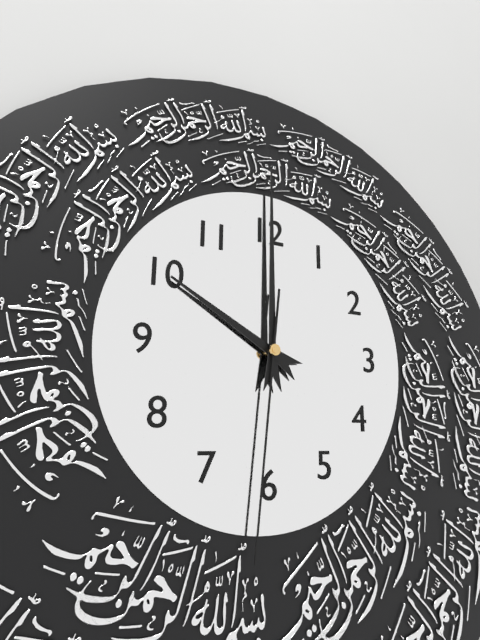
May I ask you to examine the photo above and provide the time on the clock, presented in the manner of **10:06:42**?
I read **10:00:31**
